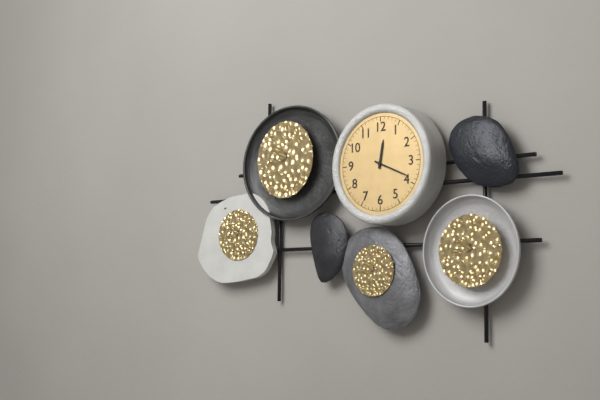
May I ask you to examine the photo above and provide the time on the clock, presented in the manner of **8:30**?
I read **12:19**
